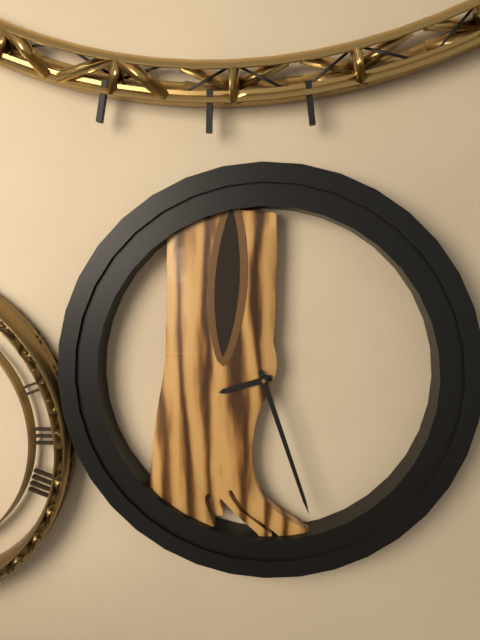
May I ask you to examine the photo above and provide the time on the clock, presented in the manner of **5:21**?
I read **8:27**
